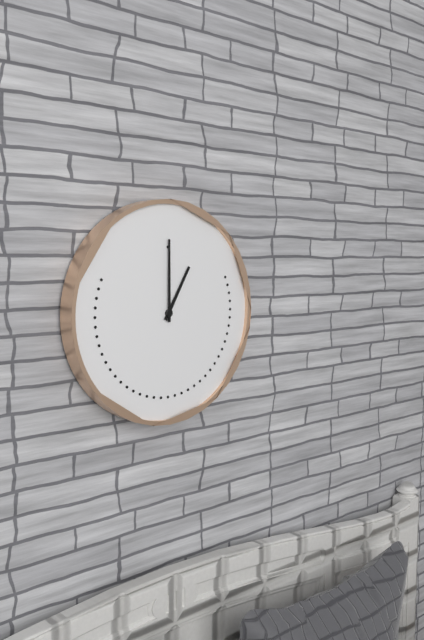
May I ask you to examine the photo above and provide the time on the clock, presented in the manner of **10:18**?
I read **1:00**
